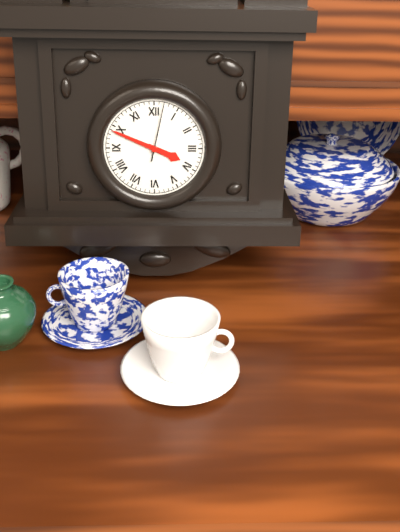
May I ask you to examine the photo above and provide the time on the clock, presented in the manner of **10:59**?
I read **3:49**
